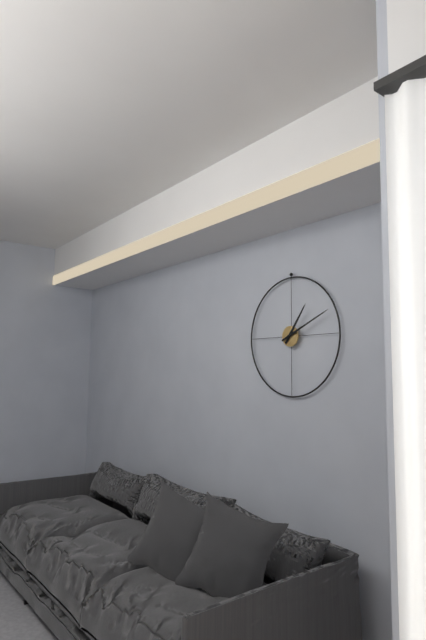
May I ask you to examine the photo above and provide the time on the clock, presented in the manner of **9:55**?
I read **1:11**
